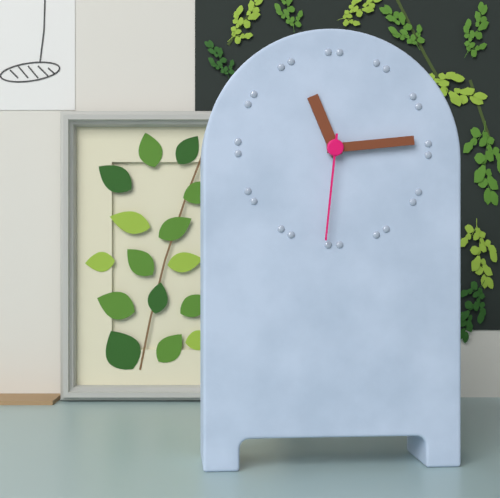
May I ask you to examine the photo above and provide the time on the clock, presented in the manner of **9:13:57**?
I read **11:14:31**
